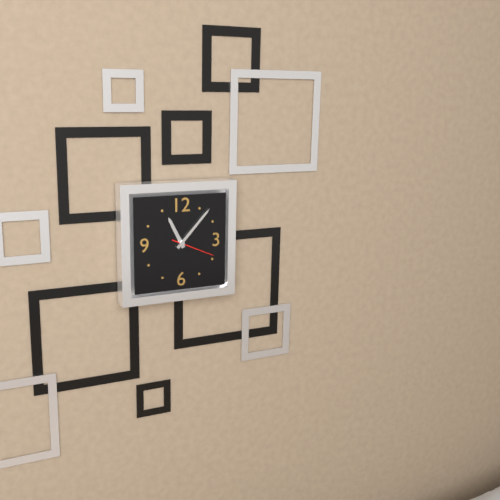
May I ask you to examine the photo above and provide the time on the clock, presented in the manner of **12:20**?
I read **11:07**
